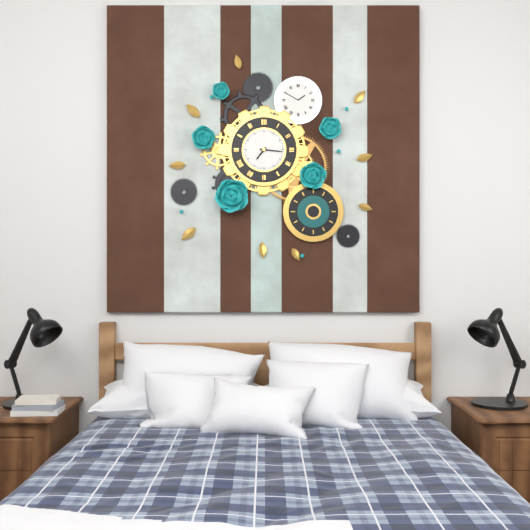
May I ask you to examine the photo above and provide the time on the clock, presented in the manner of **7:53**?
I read **7:16**
